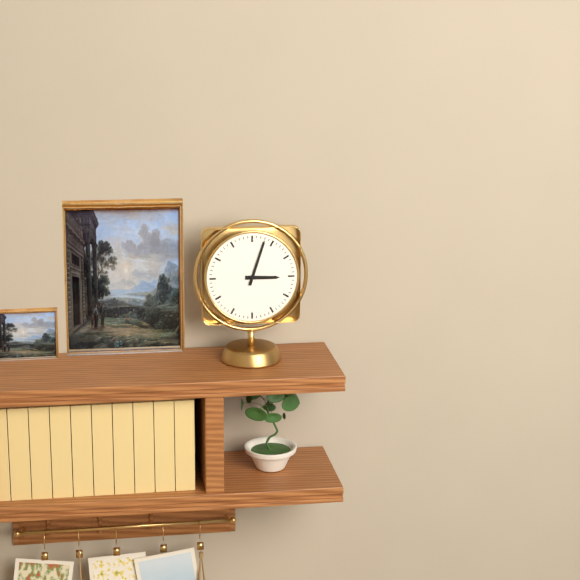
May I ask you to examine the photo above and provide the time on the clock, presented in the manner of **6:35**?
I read **3:03**
